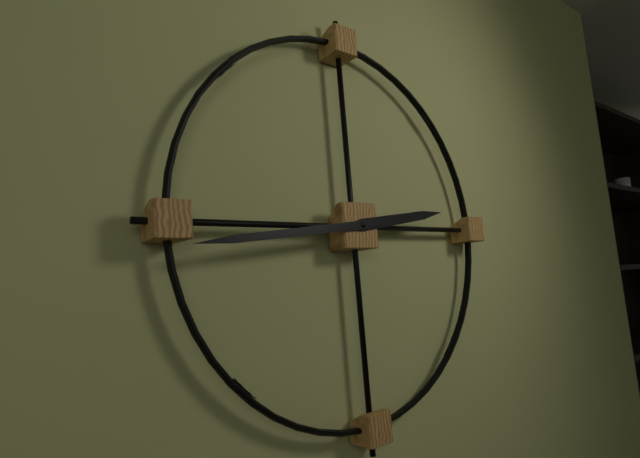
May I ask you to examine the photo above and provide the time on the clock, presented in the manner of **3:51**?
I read **2:44**
